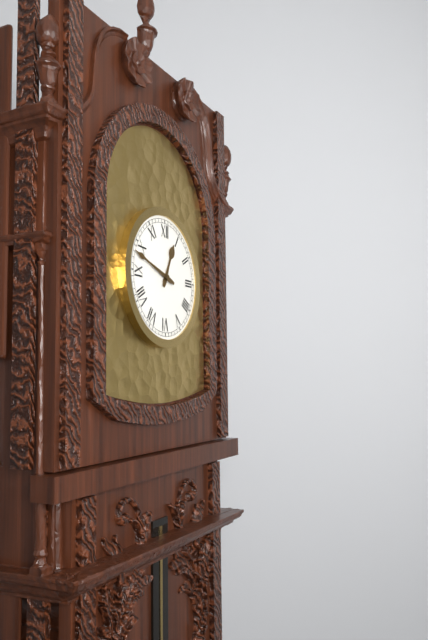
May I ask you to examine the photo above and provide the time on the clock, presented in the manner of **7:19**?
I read **12:48**
